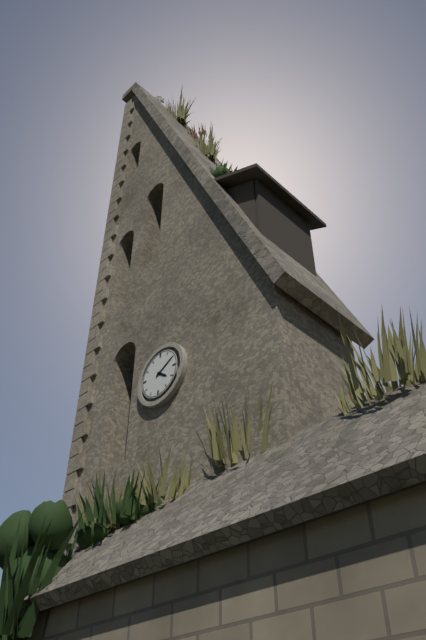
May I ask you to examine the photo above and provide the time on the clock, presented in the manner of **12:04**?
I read **4:10**
